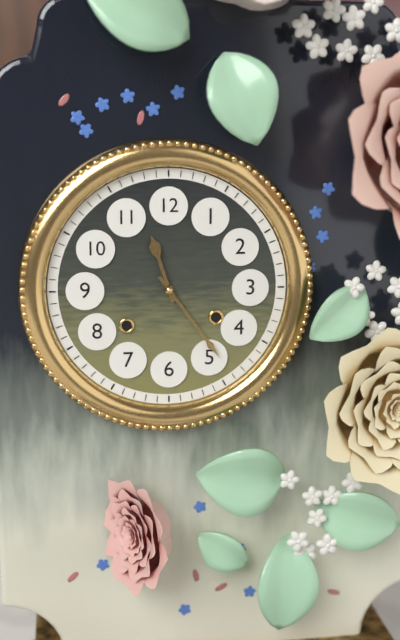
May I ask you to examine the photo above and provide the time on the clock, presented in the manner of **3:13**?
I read **11:24**
